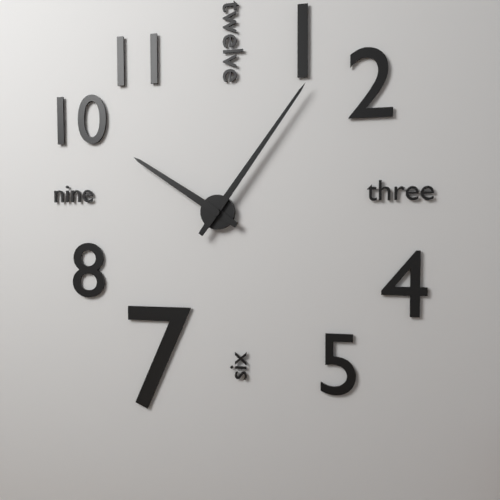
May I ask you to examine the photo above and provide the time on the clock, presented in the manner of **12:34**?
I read **10:06**
